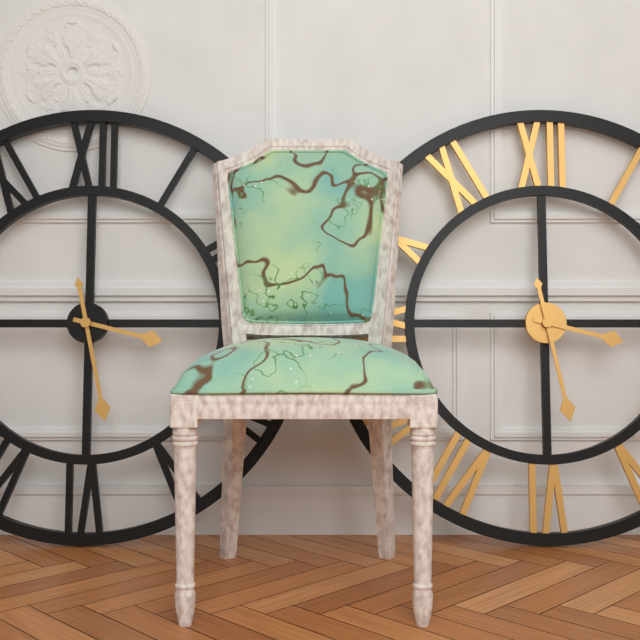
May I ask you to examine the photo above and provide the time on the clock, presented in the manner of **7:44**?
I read **3:28**
